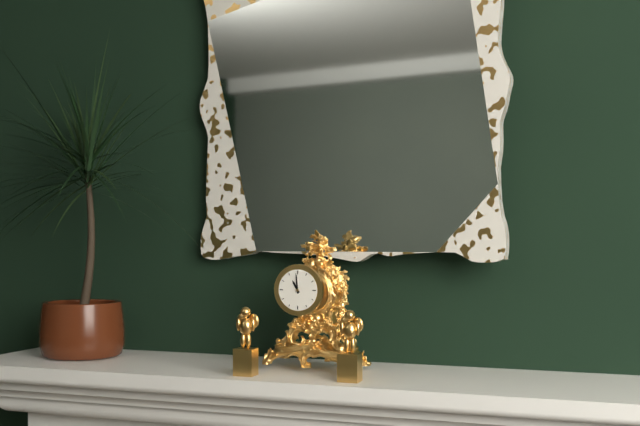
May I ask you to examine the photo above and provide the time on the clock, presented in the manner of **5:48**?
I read **10:59**
